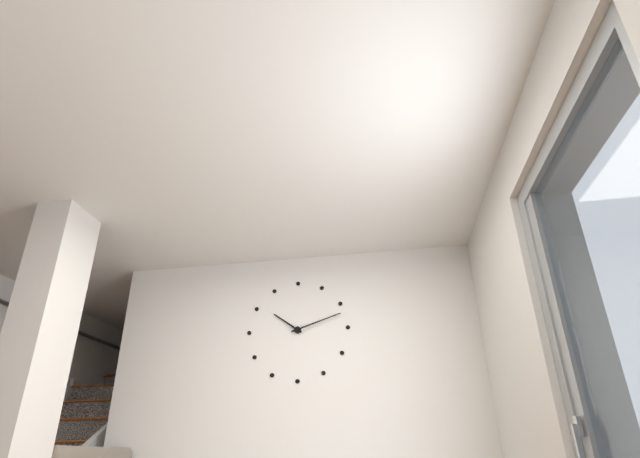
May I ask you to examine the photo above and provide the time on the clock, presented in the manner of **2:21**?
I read **10:12**
